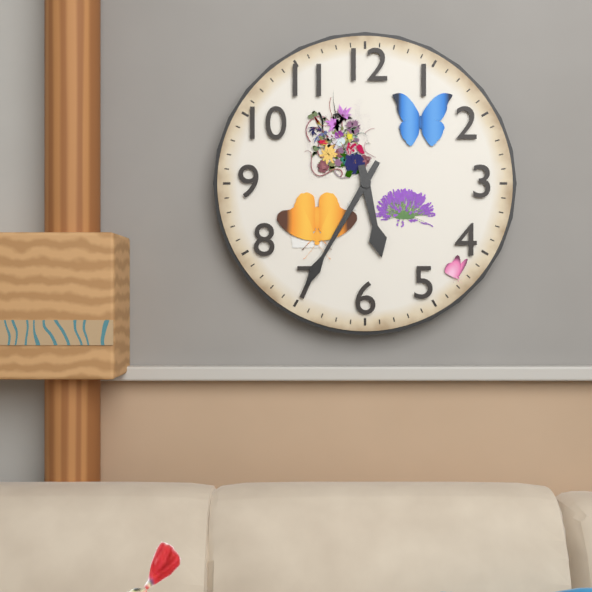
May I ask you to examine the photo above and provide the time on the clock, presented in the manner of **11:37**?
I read **5:35**
